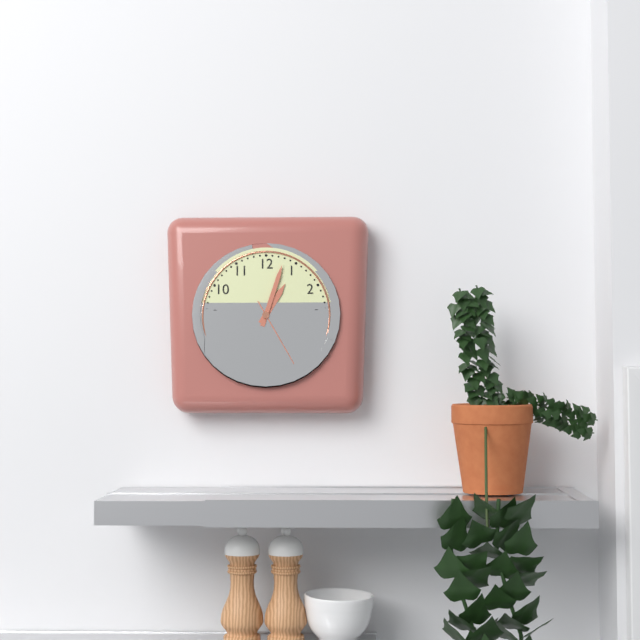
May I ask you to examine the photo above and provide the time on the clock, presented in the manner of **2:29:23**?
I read **1:03:25**
